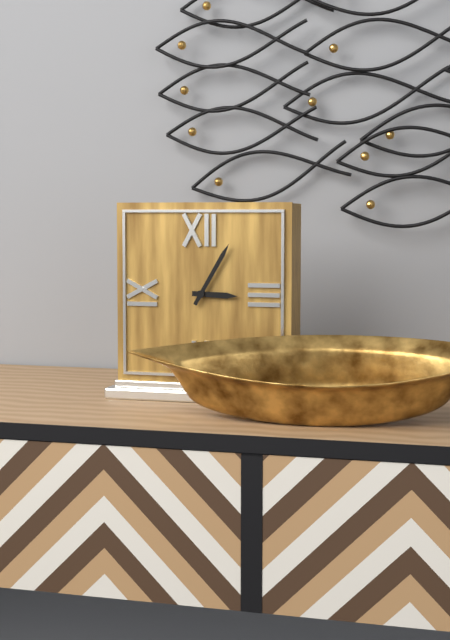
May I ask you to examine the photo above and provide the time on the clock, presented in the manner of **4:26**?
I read **3:05**
